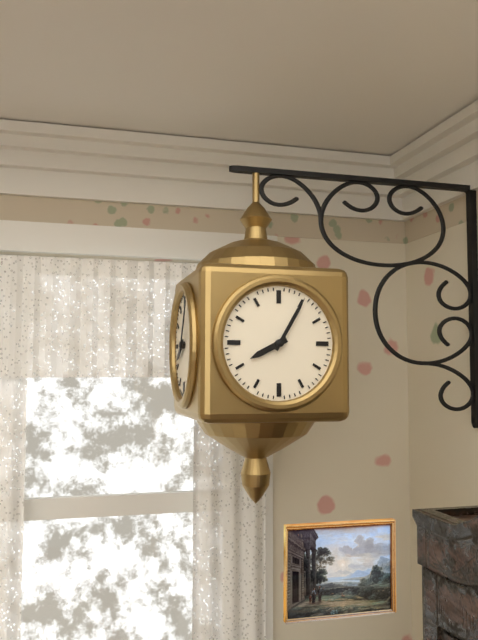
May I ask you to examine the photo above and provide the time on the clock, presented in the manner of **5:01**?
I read **8:05**
